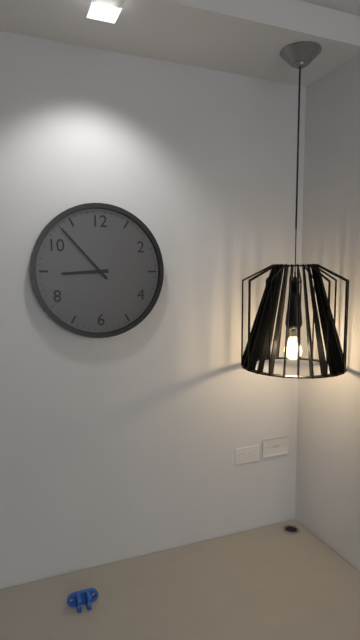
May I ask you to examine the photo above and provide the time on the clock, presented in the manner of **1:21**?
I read **8:53**
